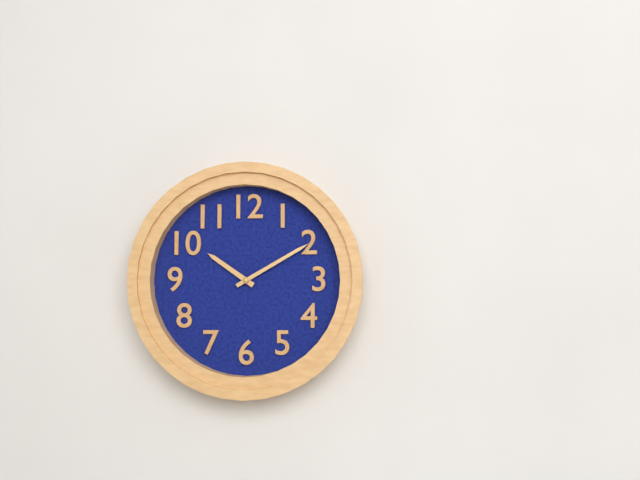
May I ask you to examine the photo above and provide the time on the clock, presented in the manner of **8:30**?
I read **10:10**
